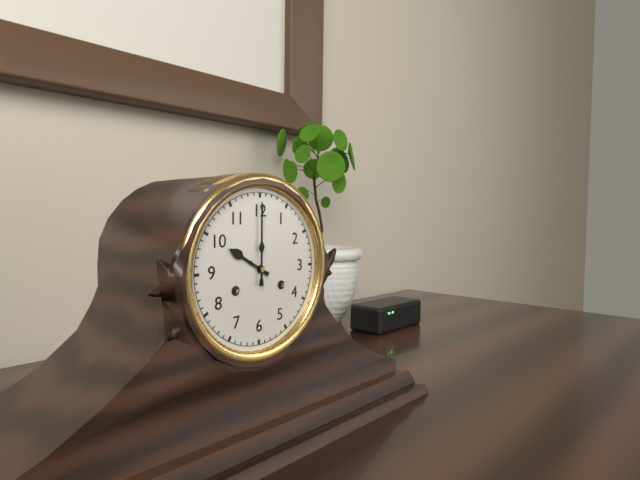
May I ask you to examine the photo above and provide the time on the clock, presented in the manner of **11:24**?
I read **10:00**
